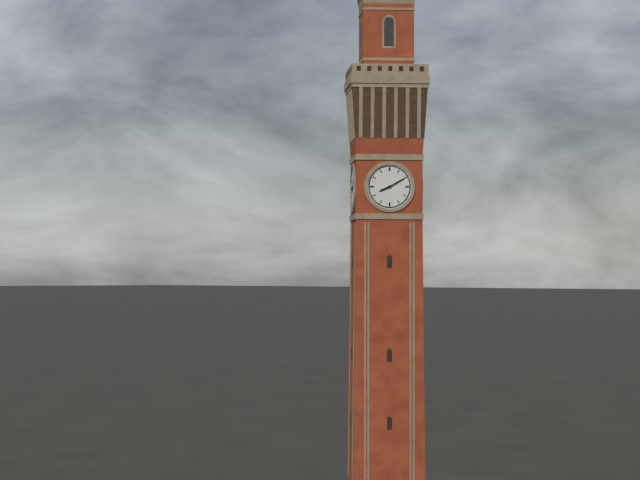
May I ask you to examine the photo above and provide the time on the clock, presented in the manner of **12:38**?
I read **8:10**
